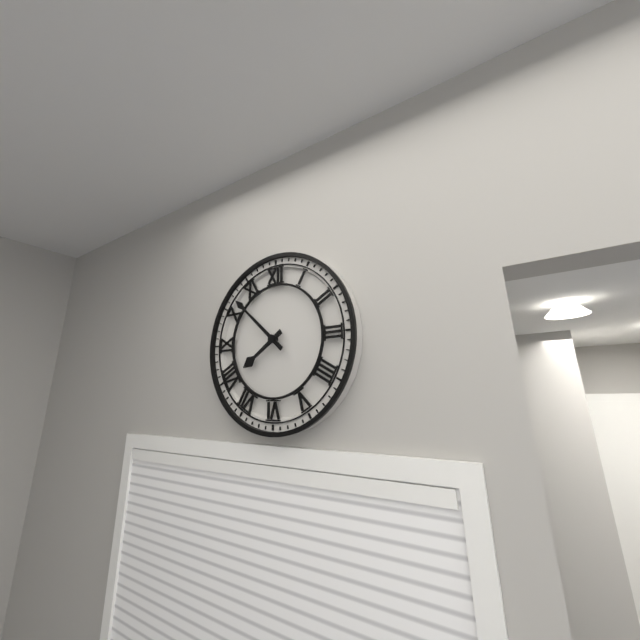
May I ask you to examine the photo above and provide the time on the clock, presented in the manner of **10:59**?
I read **7:52**
